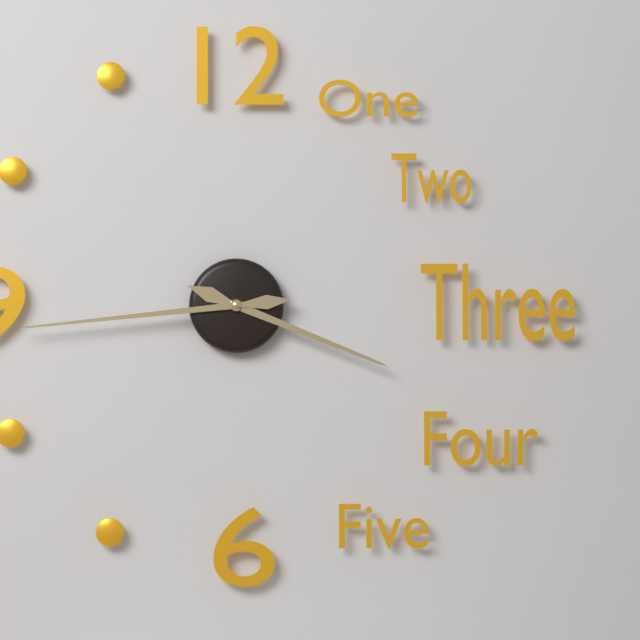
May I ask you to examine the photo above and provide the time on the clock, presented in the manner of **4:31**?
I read **3:44**
